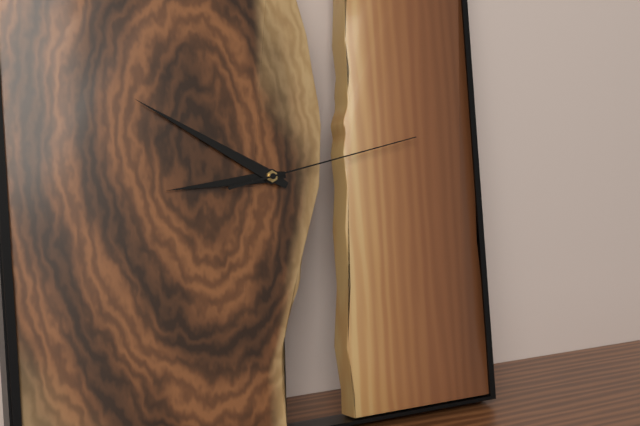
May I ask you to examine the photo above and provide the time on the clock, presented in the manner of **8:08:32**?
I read **8:50:13**
